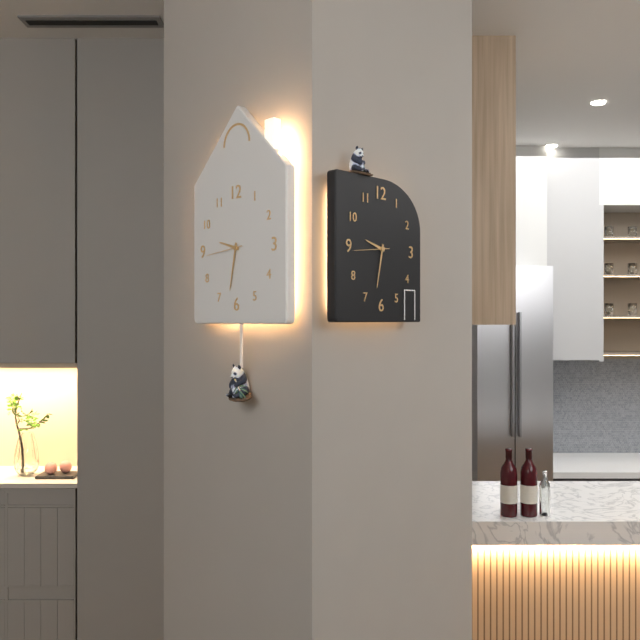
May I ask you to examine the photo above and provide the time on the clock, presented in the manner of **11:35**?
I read **9:32**
